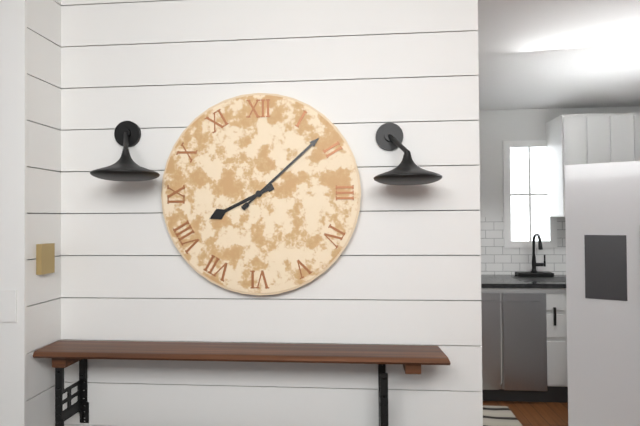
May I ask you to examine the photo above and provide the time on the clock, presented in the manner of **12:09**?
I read **8:08**
